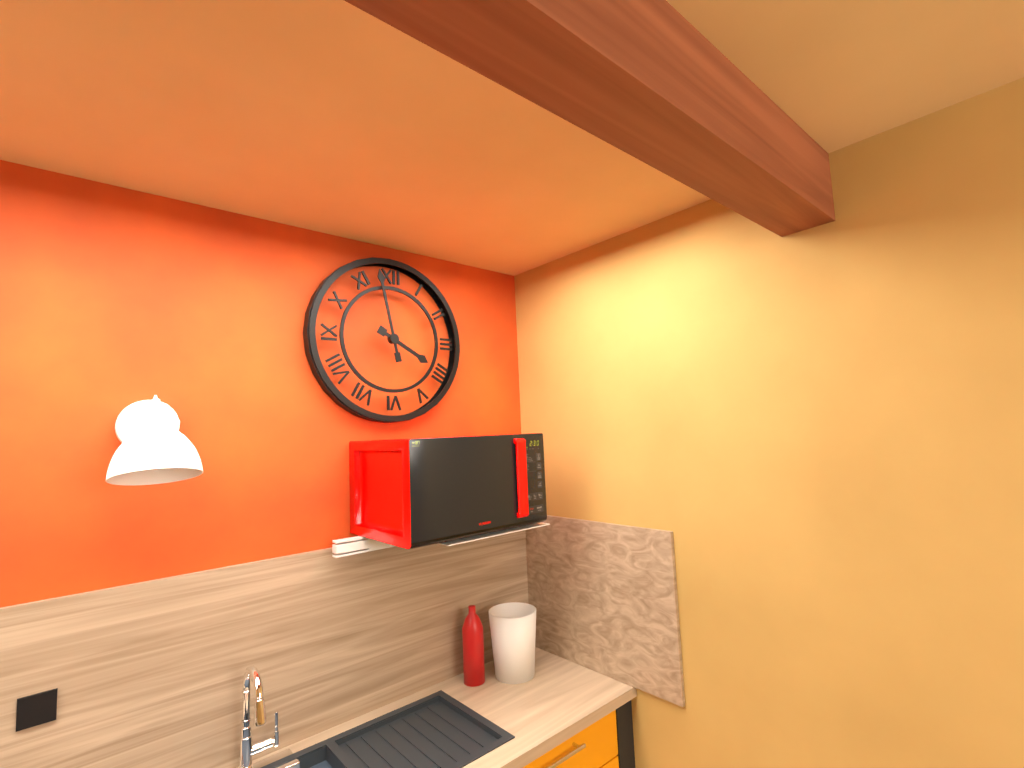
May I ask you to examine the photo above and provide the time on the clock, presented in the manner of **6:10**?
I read **3:58**
